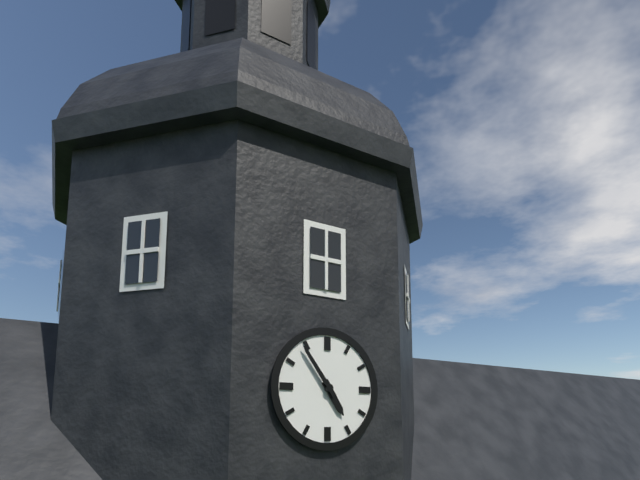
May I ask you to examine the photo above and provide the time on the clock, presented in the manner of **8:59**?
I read **4:54**
